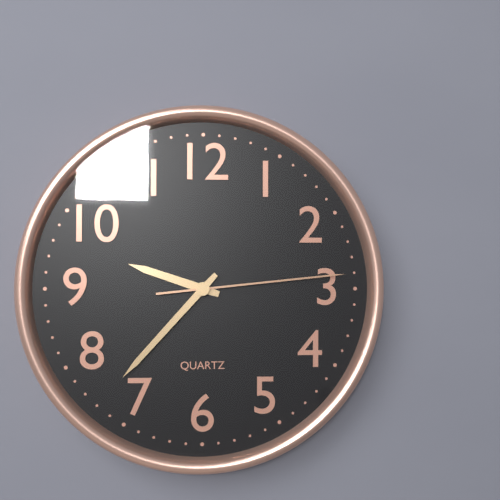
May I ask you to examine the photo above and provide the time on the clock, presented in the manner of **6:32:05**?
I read **9:37:14**
